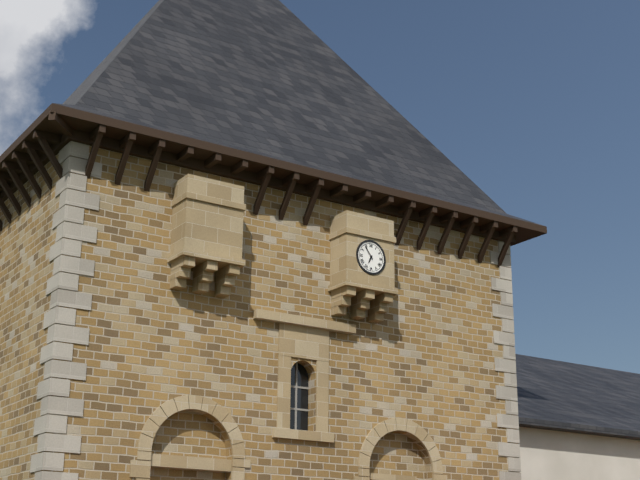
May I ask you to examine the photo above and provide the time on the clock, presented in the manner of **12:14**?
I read **6:54**
